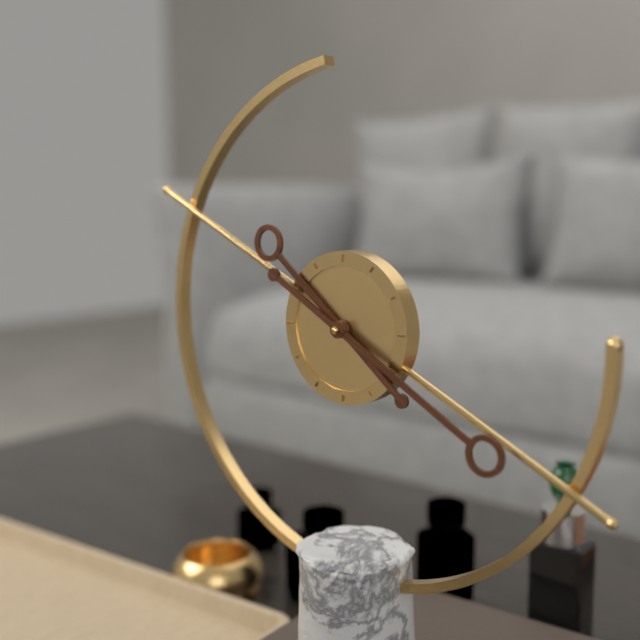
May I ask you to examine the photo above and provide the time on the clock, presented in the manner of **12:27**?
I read **10:20**
